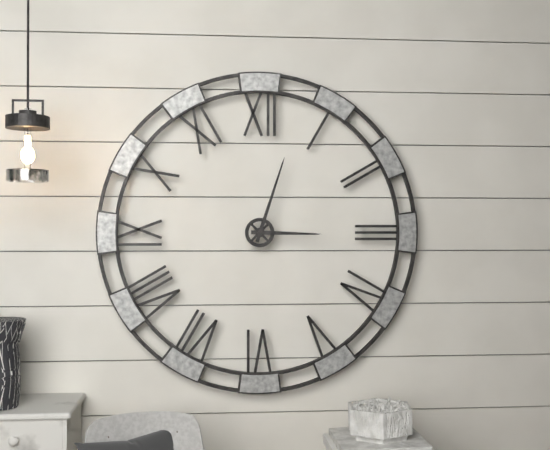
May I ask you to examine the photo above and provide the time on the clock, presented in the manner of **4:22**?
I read **3:03**
